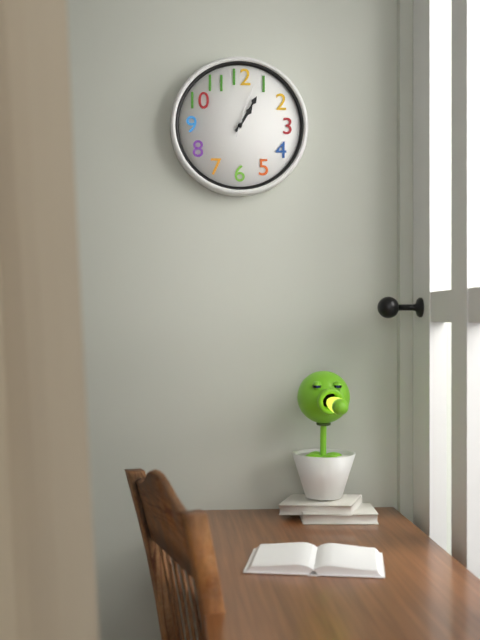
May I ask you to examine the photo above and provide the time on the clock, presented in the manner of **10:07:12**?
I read **1:05:03**
